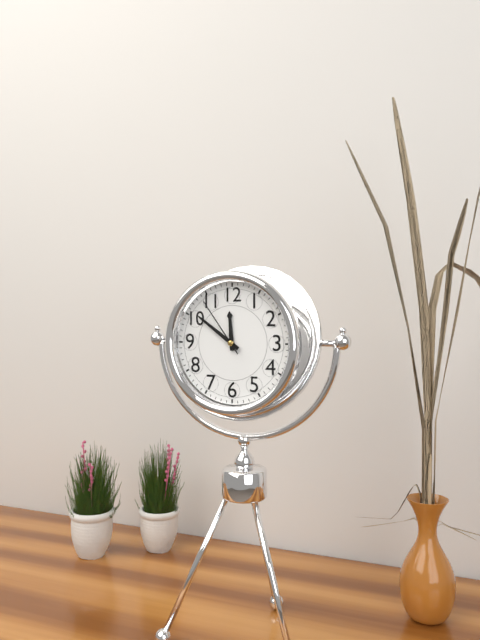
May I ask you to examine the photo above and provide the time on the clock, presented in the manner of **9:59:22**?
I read **11:51:54**
